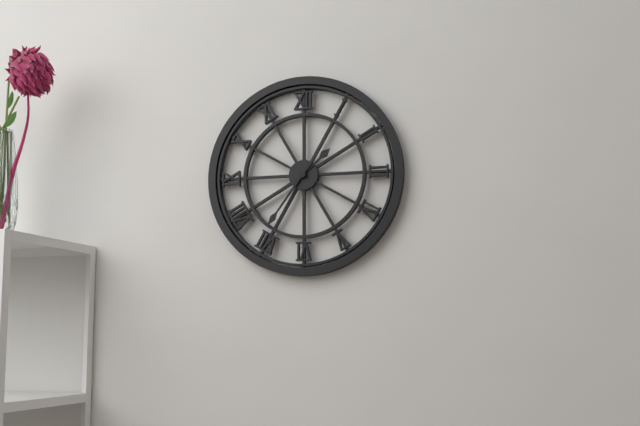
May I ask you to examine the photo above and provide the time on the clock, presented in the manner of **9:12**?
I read **1:36**
